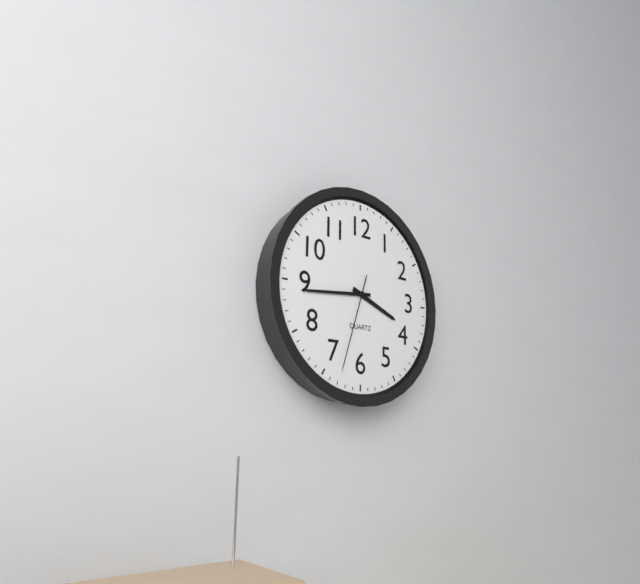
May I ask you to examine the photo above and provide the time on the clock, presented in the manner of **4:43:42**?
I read **3:44:33**
